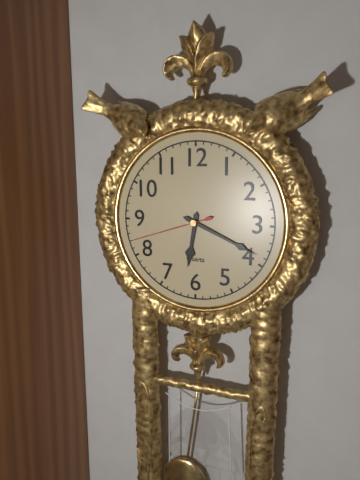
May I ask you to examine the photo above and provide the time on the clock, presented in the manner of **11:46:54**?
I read **6:19:42**
